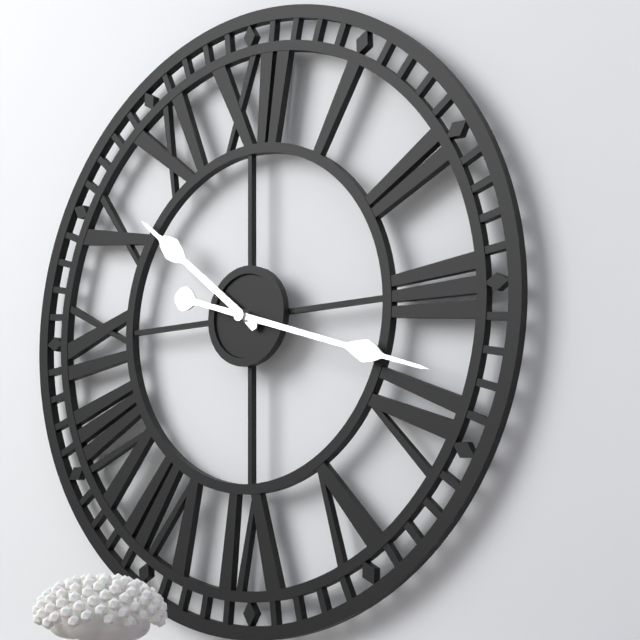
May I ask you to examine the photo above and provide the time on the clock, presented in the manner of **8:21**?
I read **10:18**
